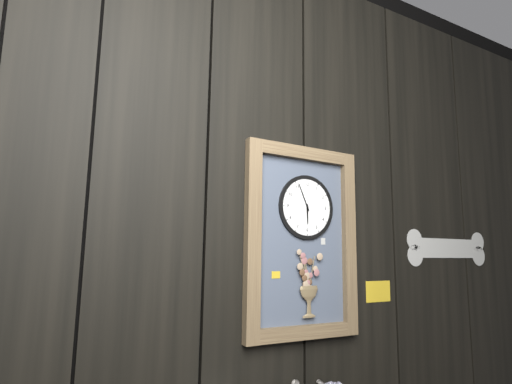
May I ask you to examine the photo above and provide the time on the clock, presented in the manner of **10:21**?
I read **5:56**
